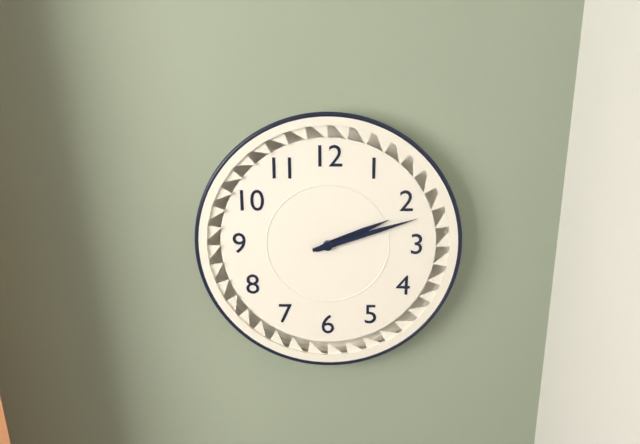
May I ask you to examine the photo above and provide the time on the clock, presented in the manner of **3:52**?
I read **2:12**
